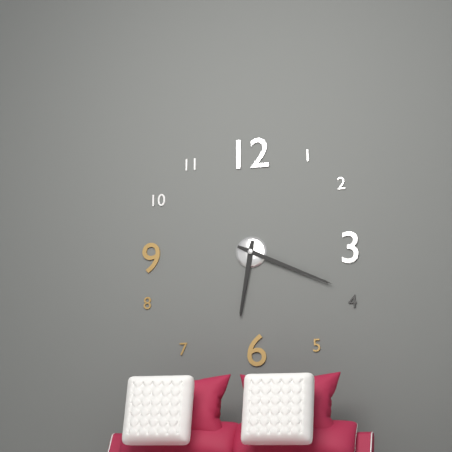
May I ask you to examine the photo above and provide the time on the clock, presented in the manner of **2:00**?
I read **6:19**
